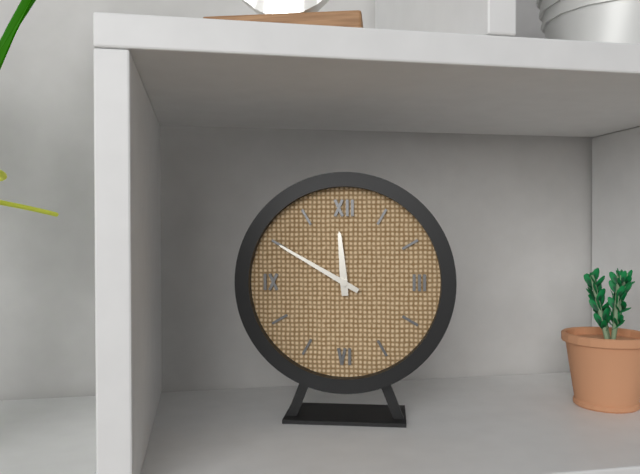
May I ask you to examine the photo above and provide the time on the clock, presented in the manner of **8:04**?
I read **11:50**
